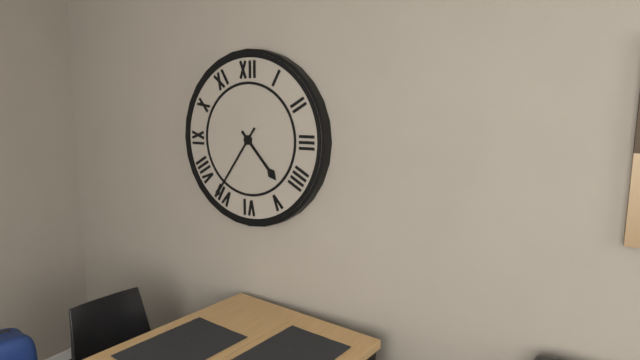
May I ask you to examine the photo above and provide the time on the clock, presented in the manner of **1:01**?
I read **4:36**
